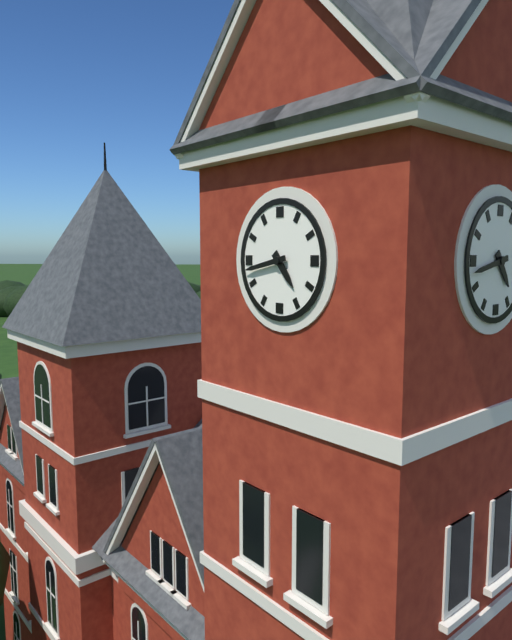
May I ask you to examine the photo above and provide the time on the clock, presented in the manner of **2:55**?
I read **4:43**
